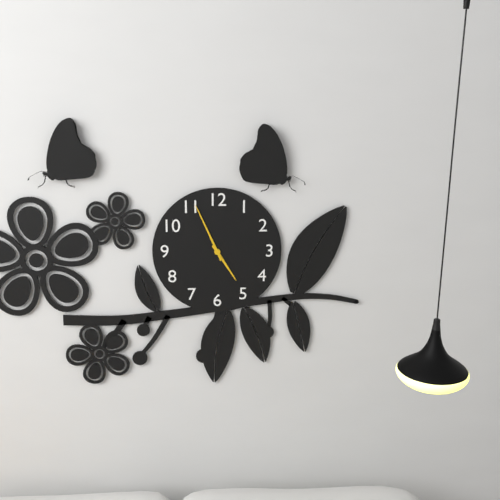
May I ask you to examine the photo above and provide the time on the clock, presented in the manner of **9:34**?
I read **4:56**
